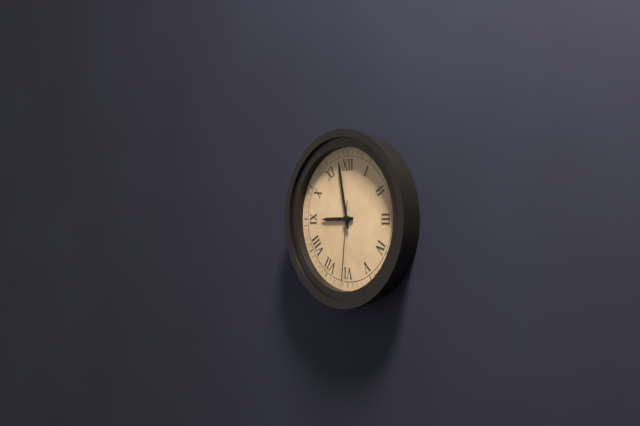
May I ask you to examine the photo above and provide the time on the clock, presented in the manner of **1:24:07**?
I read **8:58:31**
